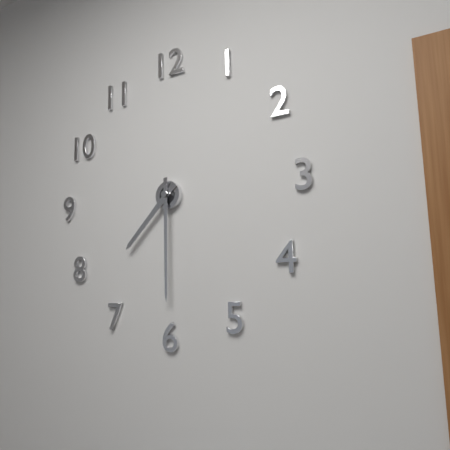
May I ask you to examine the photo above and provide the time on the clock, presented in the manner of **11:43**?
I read **7:30**
